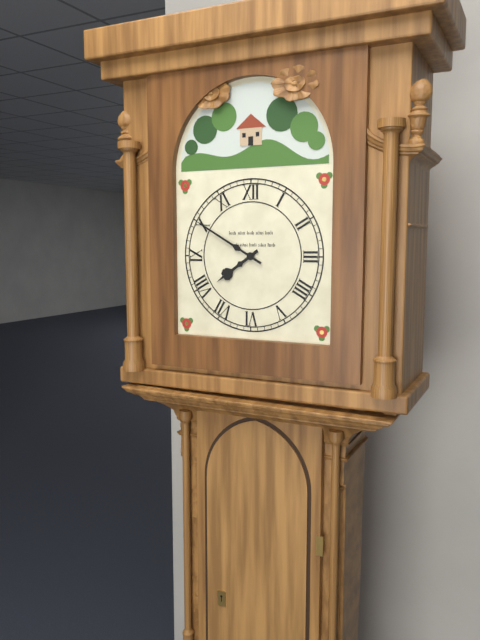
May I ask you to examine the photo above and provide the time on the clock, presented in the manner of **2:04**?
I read **7:50**
